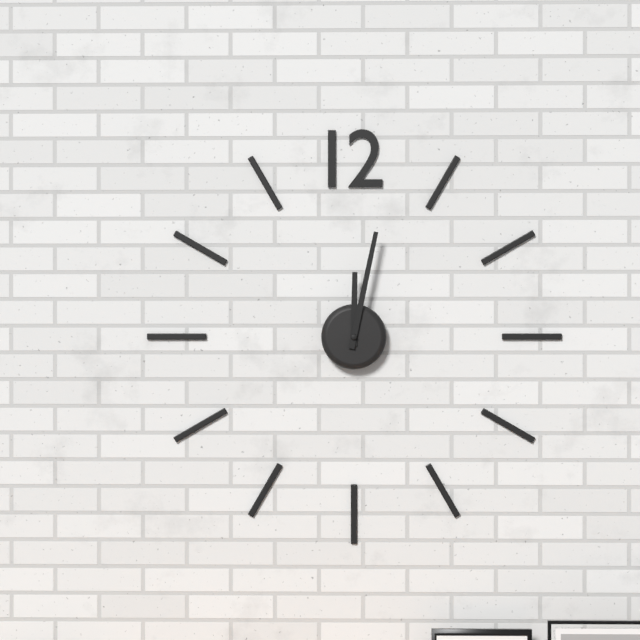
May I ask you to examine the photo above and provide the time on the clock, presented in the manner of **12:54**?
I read **12:02**
